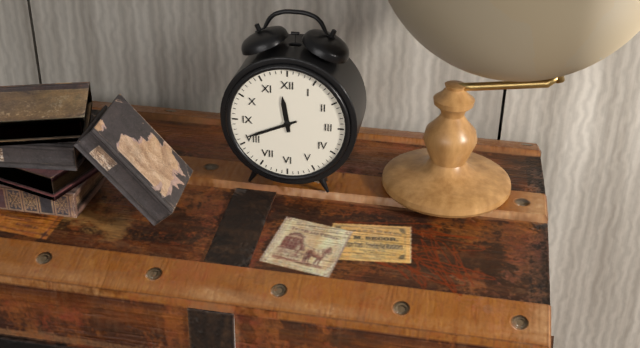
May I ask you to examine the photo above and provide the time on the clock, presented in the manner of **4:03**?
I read **11:41**
